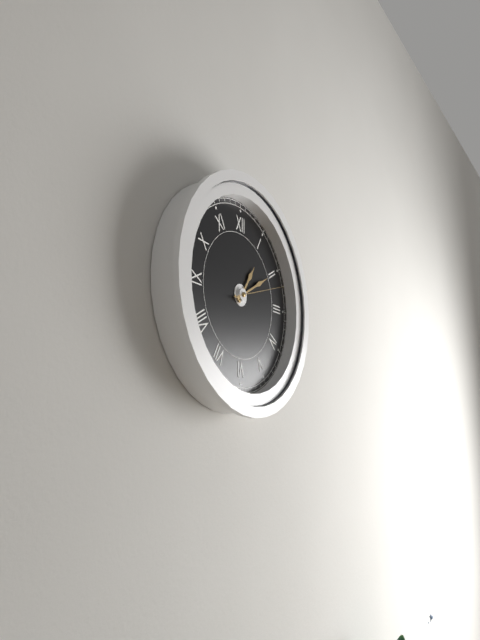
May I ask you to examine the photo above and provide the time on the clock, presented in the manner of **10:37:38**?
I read **1:10:12**
